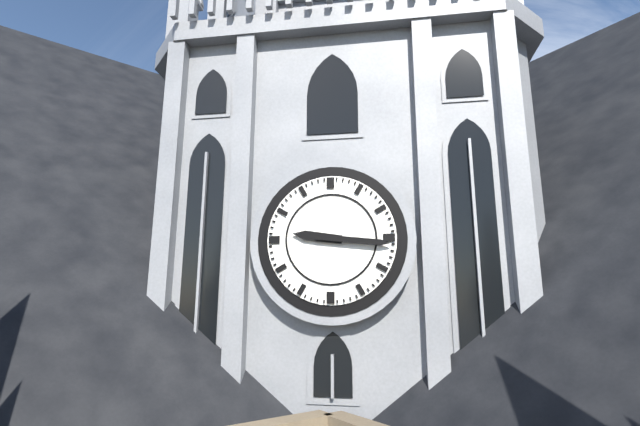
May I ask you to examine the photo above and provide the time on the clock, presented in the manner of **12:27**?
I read **9:16**
